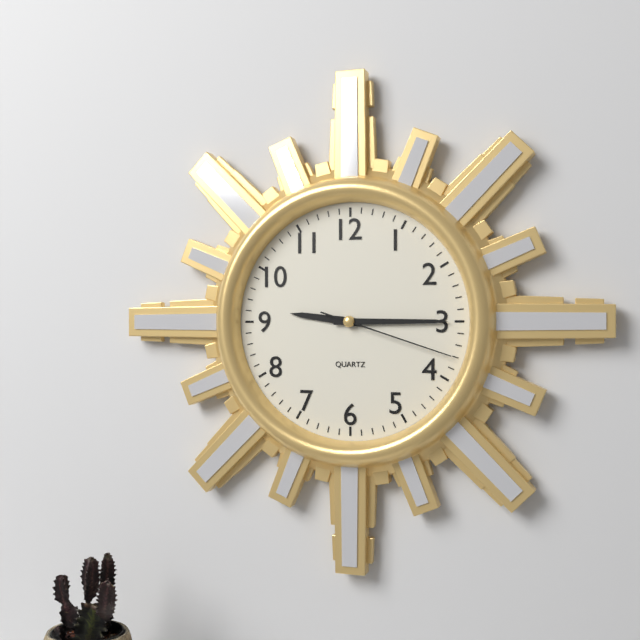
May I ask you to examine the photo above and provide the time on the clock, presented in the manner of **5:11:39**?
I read **9:15:18**
